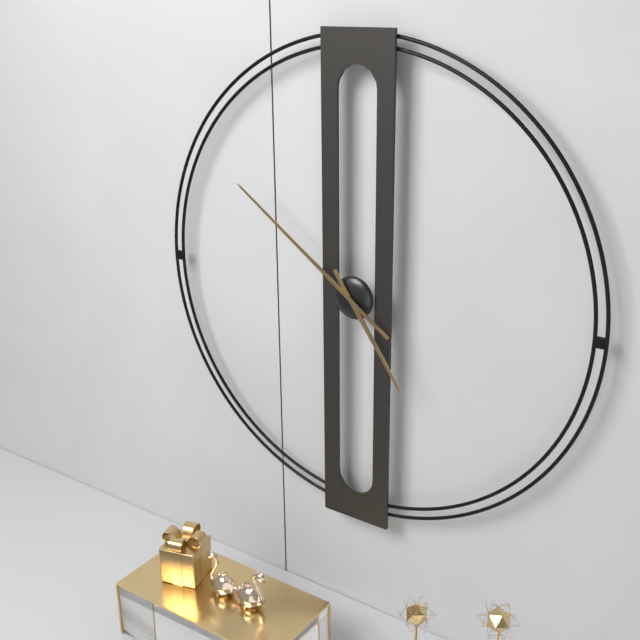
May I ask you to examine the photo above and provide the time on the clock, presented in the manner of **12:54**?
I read **4:51**
